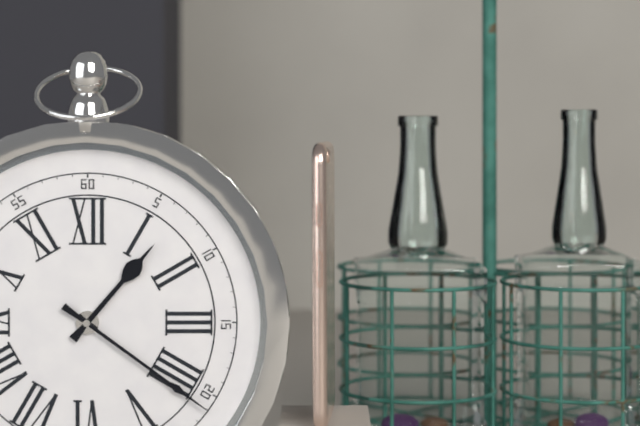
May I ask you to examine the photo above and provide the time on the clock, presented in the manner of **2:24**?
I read **1:21**
